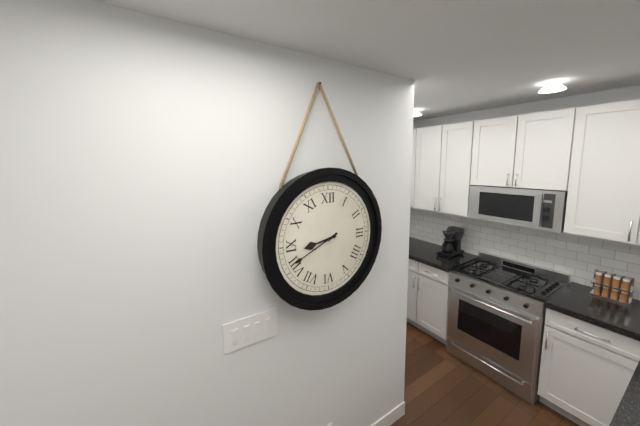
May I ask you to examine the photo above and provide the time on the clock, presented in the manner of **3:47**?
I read **8:41**
